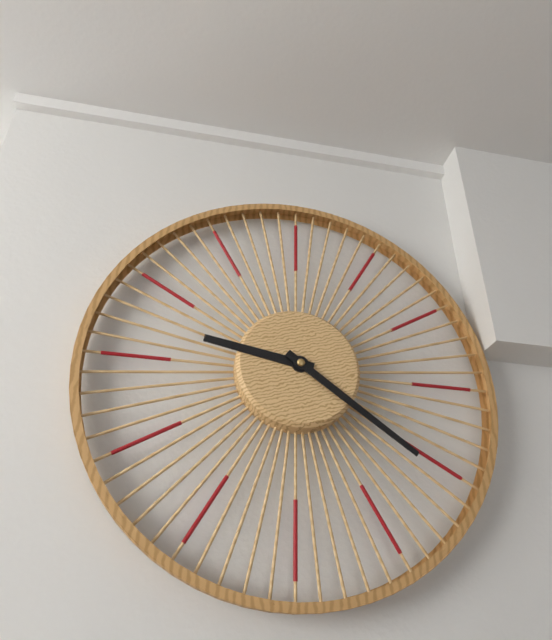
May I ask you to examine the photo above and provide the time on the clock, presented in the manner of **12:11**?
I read **9:21**
